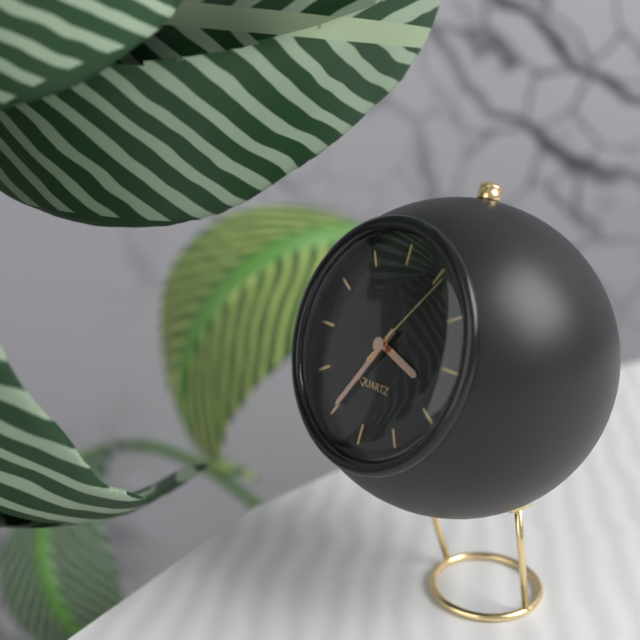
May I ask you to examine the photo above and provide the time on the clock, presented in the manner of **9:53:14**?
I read **3:35:06**
